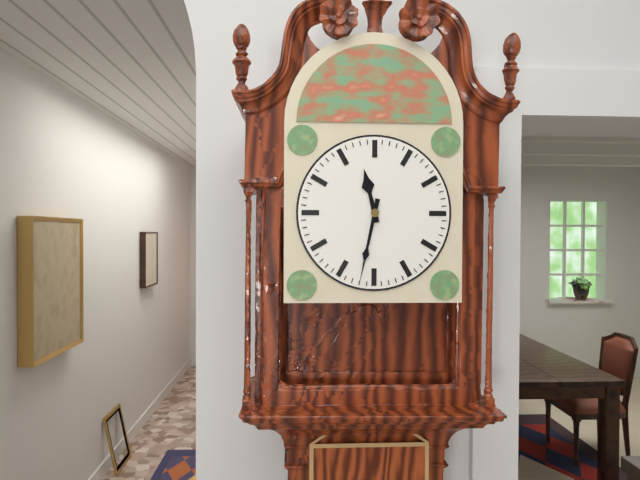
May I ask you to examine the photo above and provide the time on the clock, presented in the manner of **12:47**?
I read **11:32**
